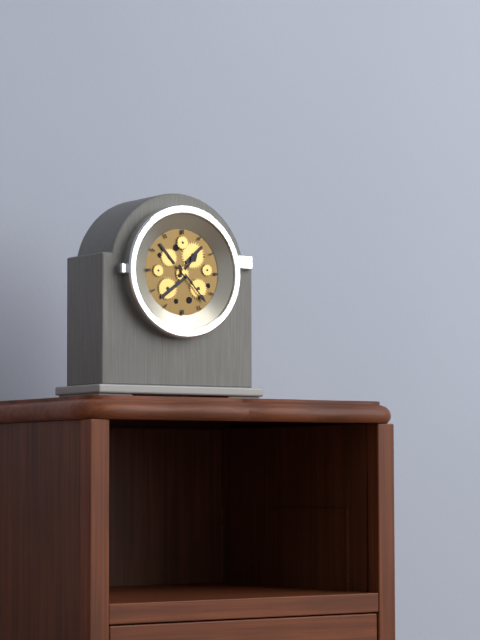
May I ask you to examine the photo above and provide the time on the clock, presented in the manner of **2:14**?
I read **1:23**
